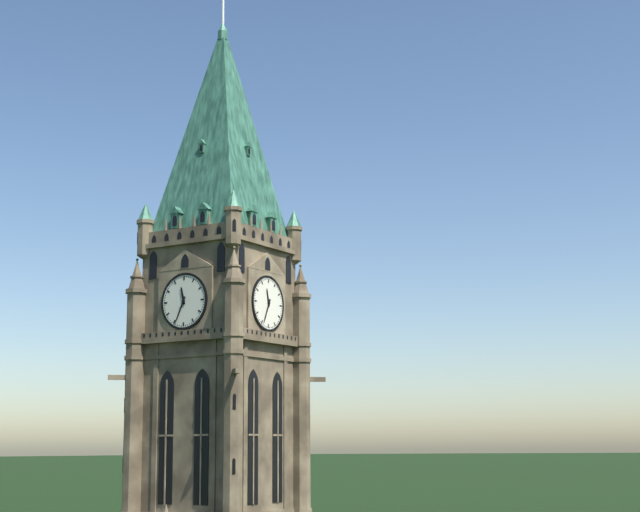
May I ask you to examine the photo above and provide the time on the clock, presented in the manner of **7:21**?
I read **11:34**
